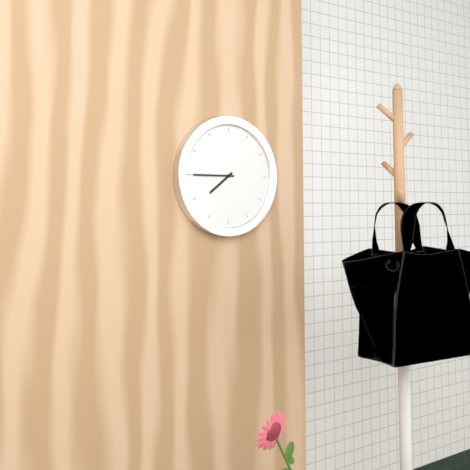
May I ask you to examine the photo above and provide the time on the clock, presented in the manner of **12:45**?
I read **7:45**
